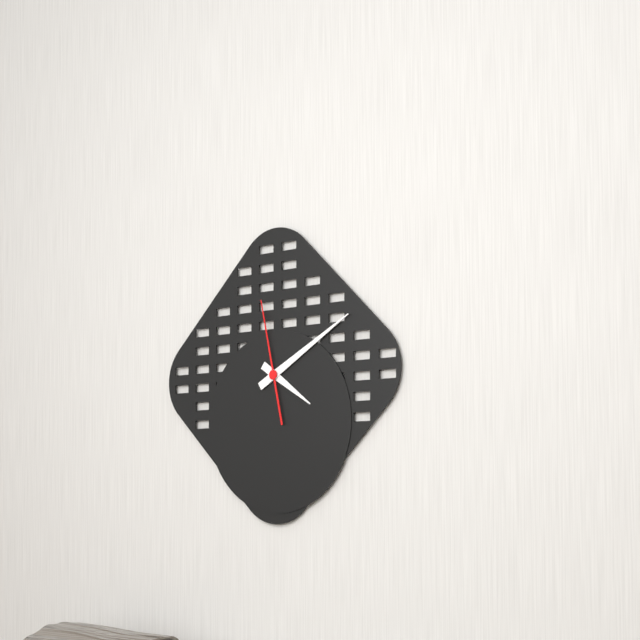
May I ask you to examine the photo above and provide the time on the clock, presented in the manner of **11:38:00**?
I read **4:10:58**
